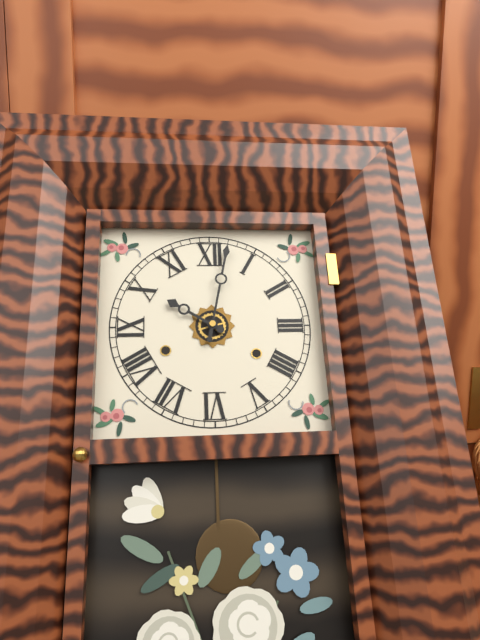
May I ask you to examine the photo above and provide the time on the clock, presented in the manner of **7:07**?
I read **10:02**
